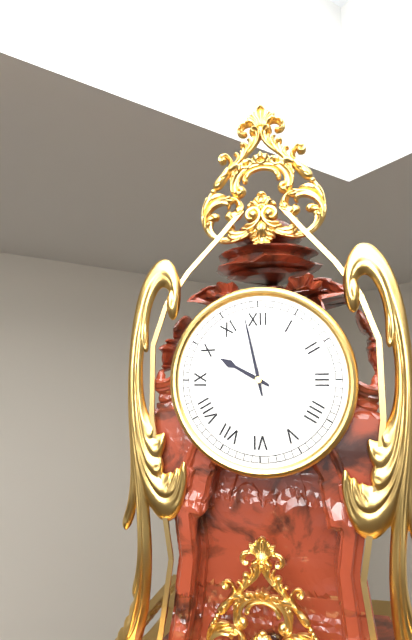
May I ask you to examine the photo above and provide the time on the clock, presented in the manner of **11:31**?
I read **9:58**
